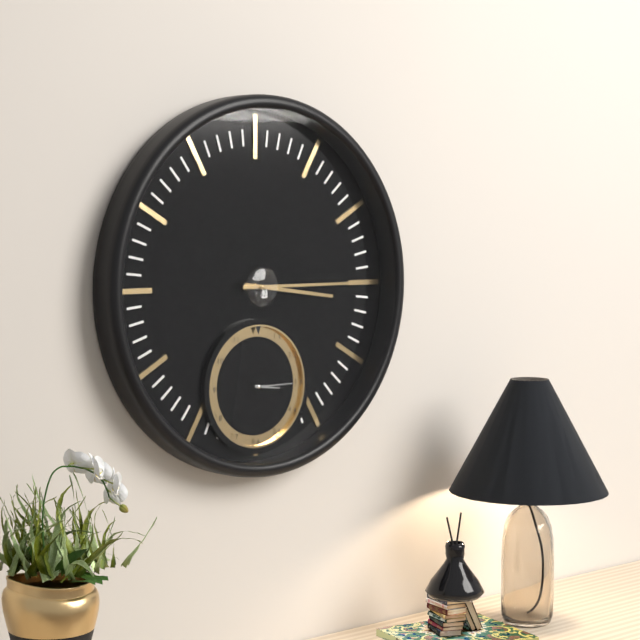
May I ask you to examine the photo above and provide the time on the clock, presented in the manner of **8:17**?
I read **3:15**
